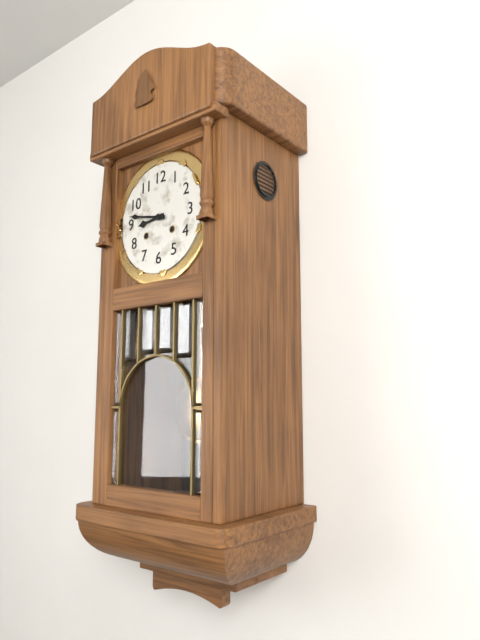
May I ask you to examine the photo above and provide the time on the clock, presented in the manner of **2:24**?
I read **8:47**
